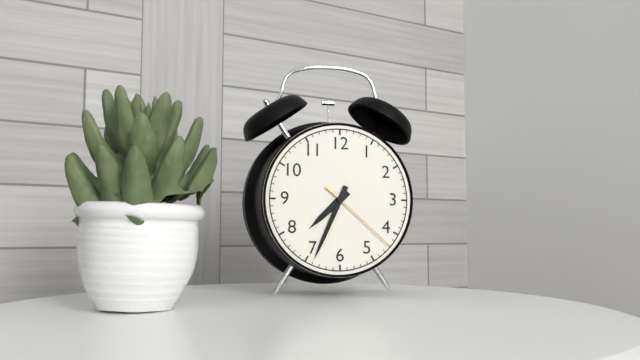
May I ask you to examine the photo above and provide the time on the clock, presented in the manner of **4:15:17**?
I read **7:34:22**
